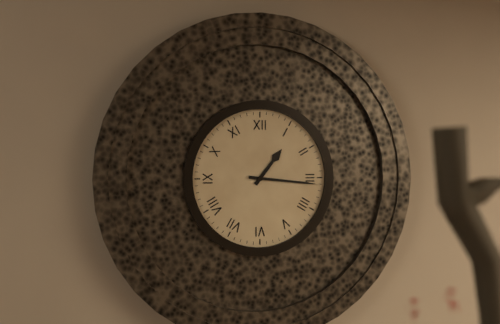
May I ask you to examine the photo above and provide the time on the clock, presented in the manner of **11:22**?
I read **1:16**
